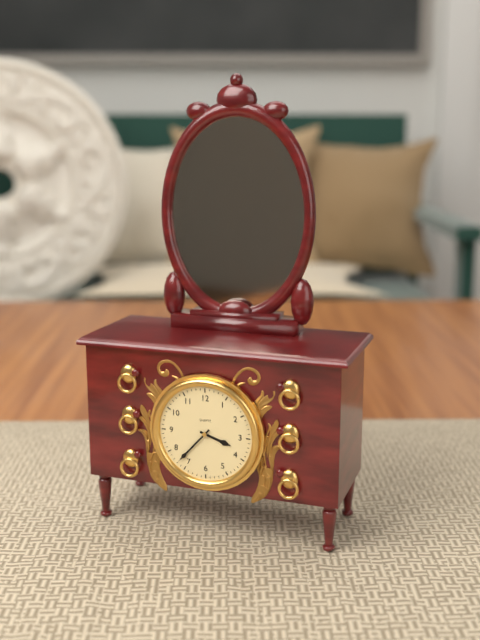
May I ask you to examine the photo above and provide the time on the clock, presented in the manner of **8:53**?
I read **3:37**
